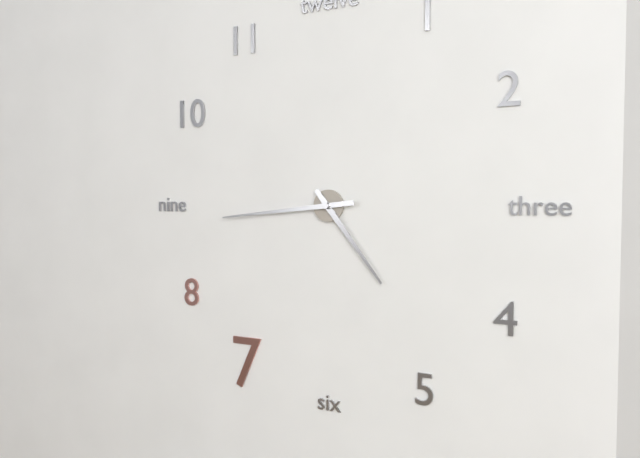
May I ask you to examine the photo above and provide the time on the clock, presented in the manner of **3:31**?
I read **4:44**
